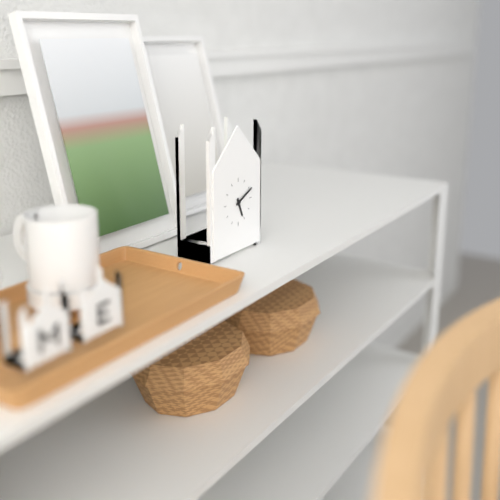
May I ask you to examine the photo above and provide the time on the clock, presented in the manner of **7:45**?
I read **5:11**
